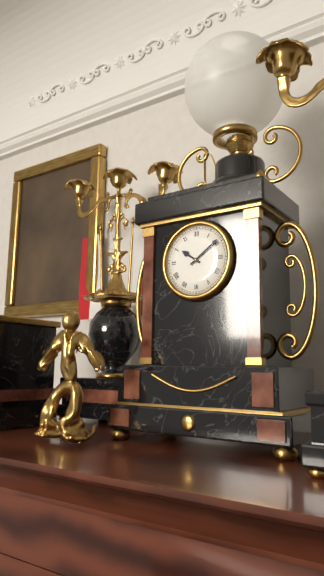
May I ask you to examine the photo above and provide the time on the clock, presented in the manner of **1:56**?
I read **10:09**
